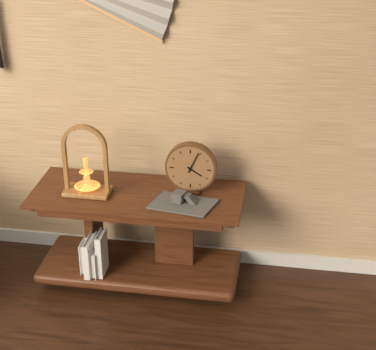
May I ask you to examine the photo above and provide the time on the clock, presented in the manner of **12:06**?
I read **4:04**
